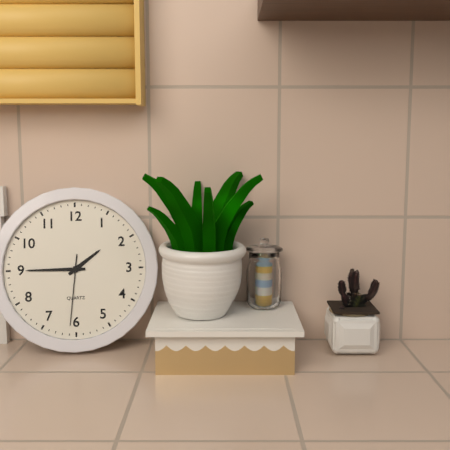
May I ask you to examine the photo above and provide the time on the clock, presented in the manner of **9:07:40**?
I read **1:45:31**
